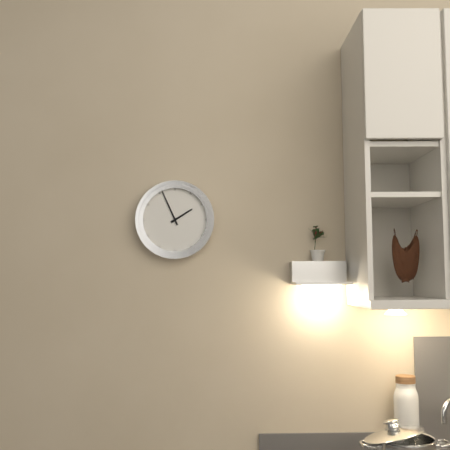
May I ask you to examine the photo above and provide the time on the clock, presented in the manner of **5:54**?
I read **1:56**
